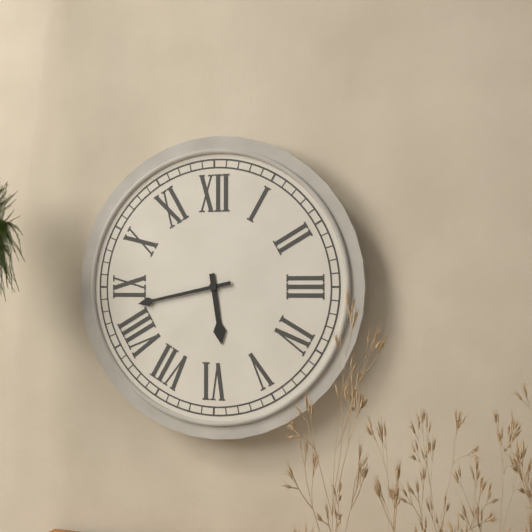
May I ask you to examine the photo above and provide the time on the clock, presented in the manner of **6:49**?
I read **5:43**
